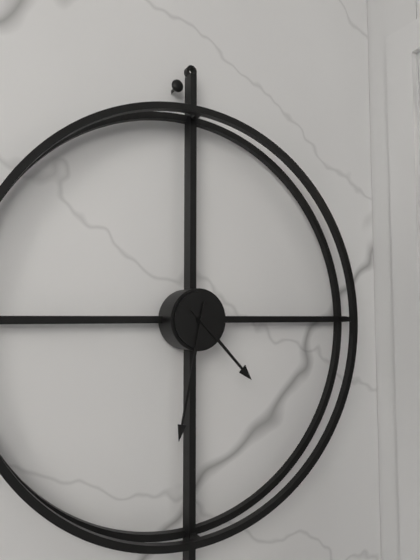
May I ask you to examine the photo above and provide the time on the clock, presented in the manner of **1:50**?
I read **4:32**
